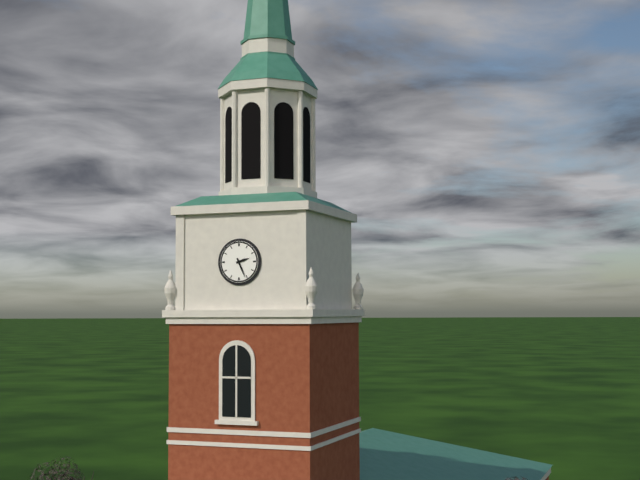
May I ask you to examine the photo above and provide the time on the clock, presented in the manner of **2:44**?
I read **2:26**
